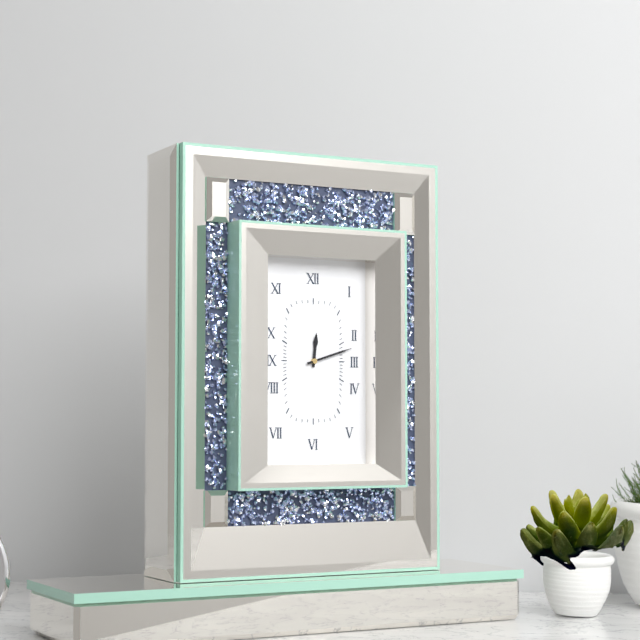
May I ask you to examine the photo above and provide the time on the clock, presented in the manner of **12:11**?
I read **12:12**
